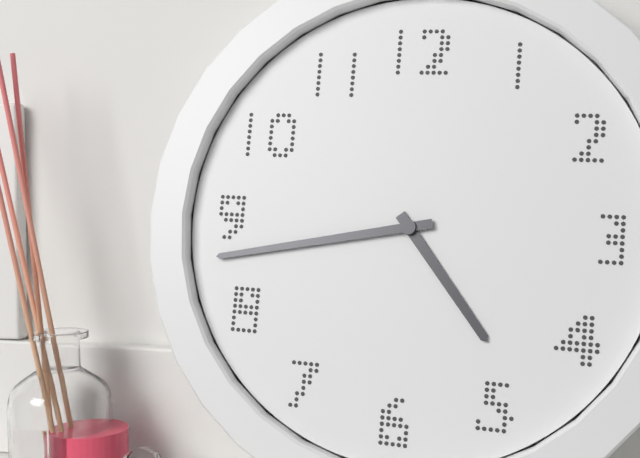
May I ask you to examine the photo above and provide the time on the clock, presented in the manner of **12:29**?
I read **4:43**
